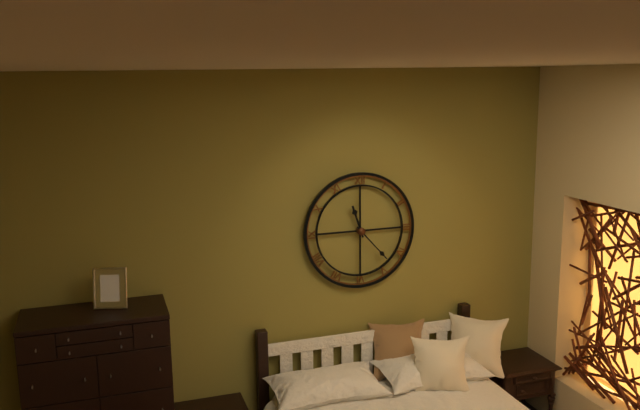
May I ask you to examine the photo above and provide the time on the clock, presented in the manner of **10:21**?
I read **11:23**
